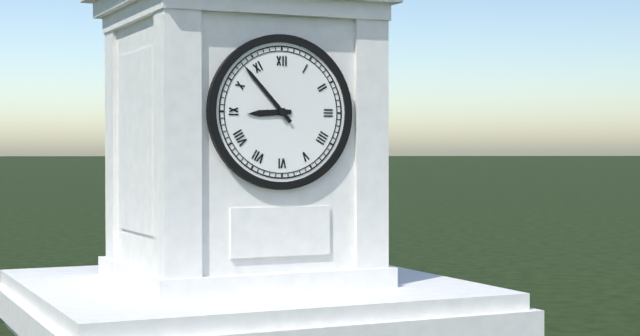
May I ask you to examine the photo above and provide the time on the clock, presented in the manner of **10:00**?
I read **8:53**
